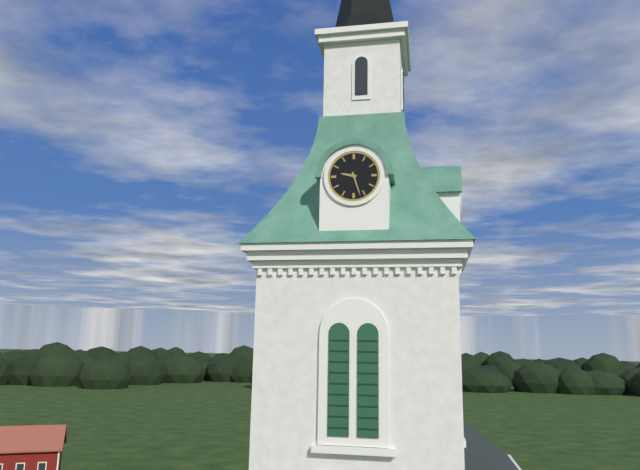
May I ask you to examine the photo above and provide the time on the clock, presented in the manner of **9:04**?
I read **9:27**
